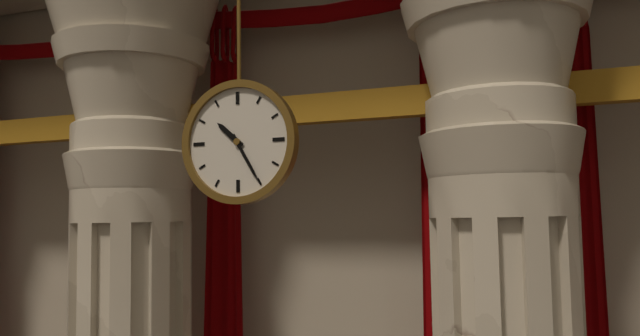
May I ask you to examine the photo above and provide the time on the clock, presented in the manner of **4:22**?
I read **10:25**
